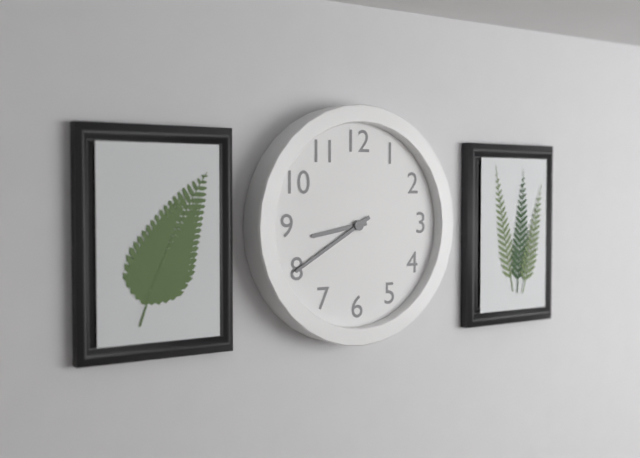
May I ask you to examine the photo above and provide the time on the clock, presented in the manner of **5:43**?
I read **8:40**
